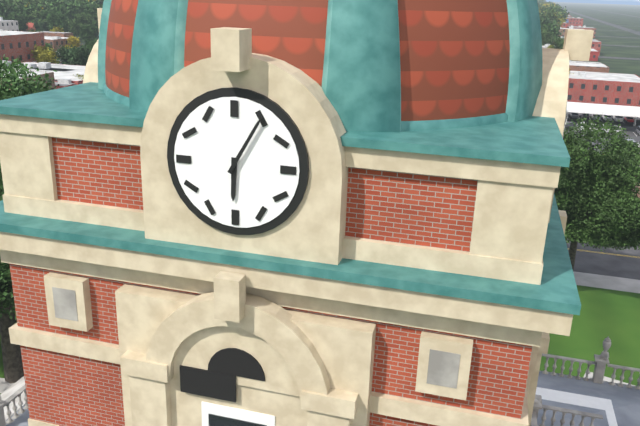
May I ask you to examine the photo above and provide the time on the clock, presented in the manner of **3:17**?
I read **6:05**
